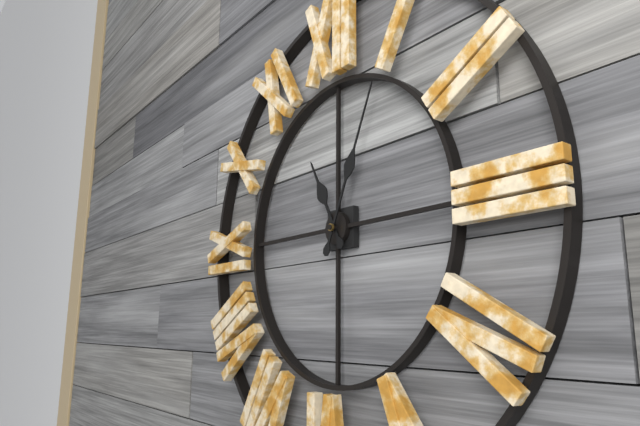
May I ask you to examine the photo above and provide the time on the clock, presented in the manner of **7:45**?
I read **11:04**
